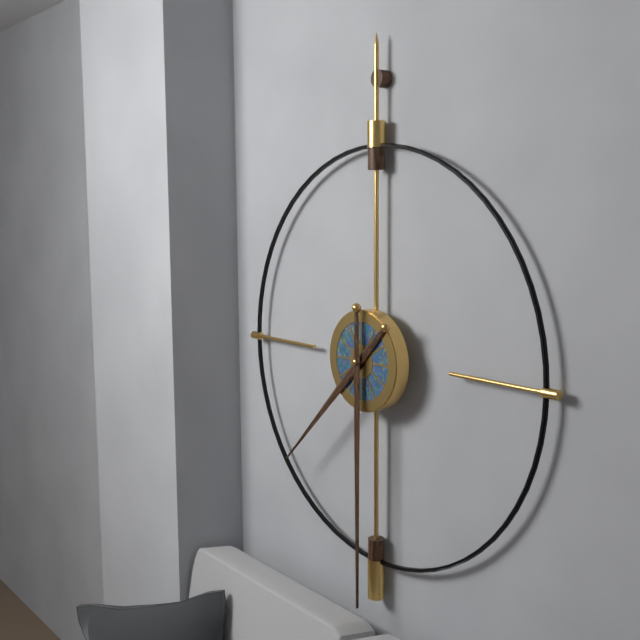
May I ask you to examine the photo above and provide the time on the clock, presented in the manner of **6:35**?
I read **7:30**
